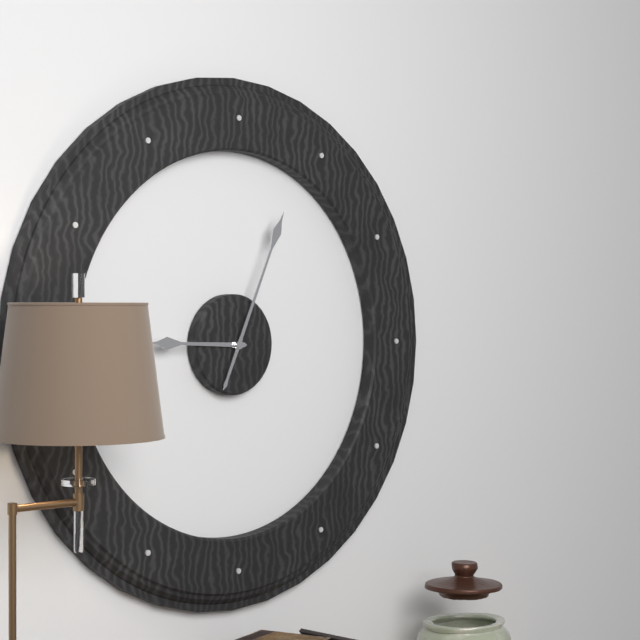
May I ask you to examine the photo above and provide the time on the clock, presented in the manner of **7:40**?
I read **9:04**
